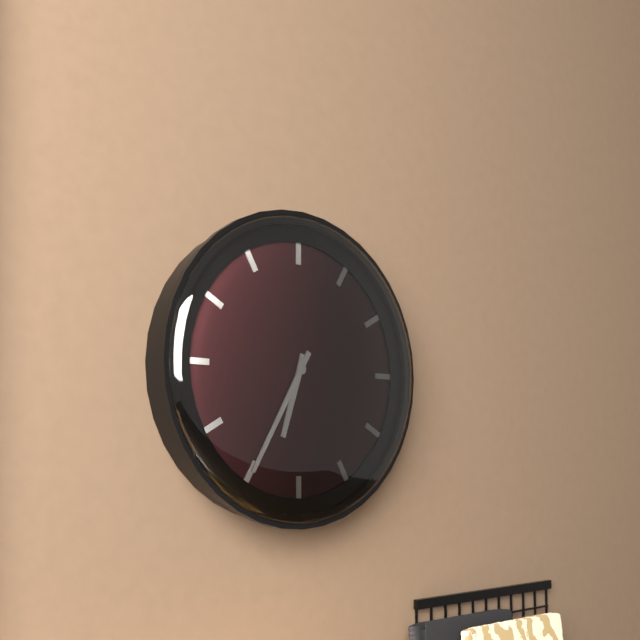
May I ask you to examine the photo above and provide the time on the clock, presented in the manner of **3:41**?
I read **6:35**
